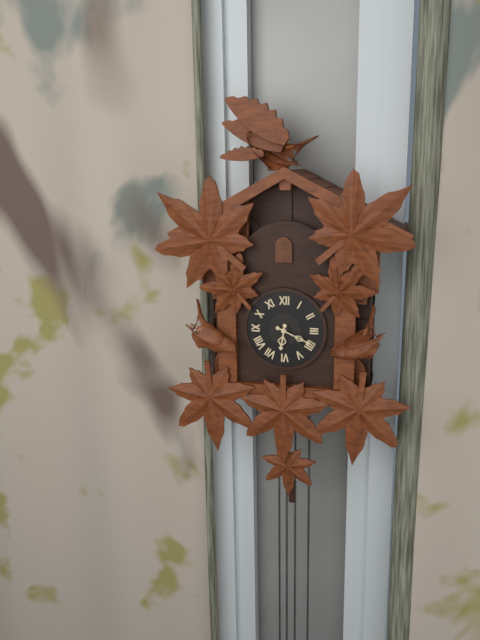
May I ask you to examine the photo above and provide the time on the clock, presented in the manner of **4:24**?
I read **6:19**
